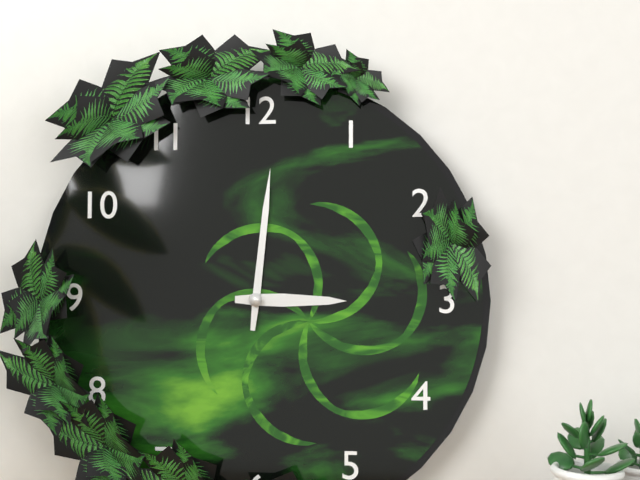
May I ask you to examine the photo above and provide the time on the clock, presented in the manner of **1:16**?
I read **3:01**
